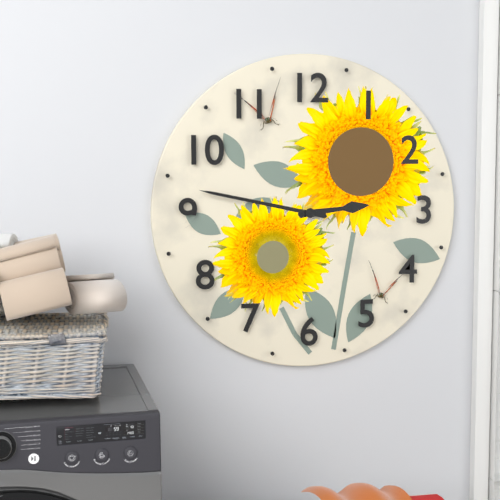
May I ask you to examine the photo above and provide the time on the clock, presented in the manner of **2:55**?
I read **2:47**
